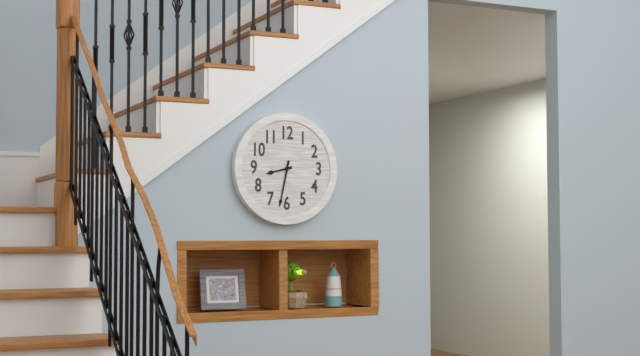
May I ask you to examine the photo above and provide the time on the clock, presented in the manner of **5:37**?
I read **8:32**
